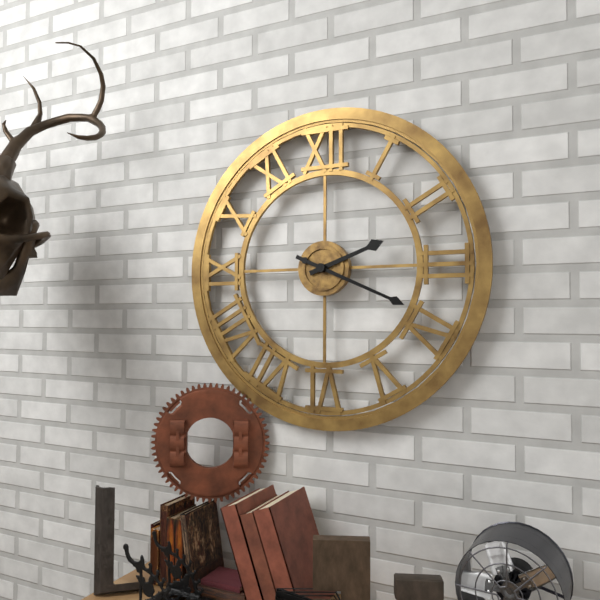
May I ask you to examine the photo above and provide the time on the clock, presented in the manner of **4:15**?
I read **2:19**
